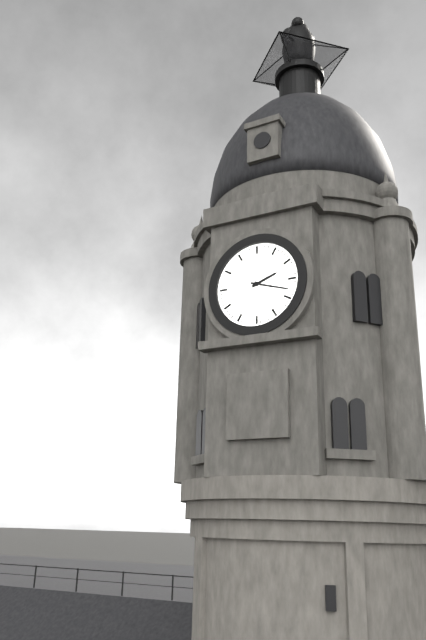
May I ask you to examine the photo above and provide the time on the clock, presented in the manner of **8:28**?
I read **2:18**
